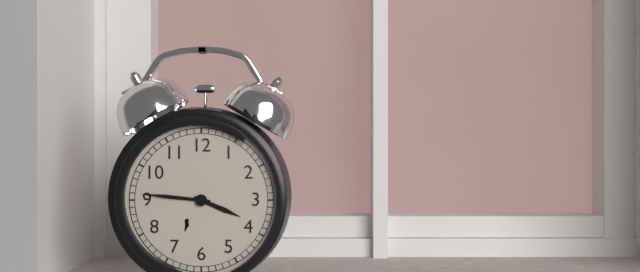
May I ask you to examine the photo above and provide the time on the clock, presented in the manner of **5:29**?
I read **3:46**
